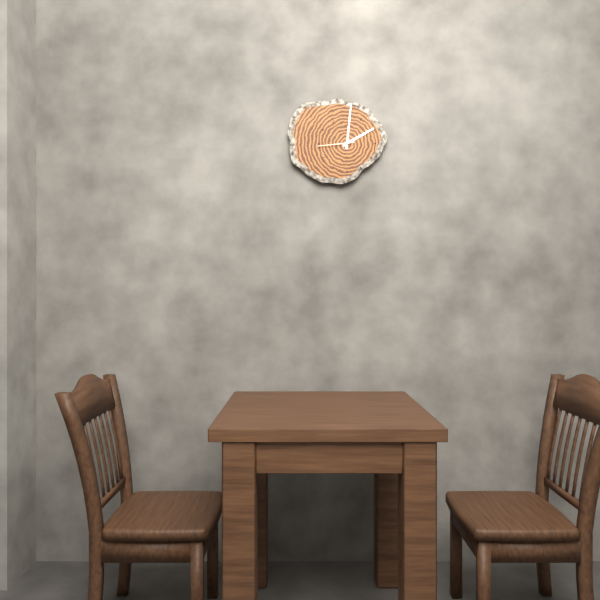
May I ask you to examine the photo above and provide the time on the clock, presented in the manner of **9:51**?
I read **2:01**
